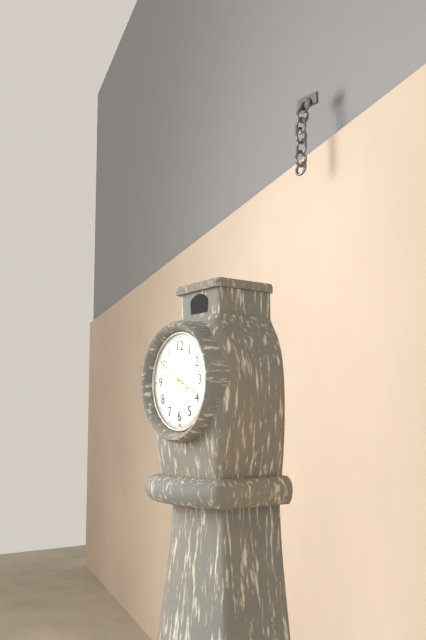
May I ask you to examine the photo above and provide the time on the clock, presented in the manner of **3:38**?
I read **3:50**
